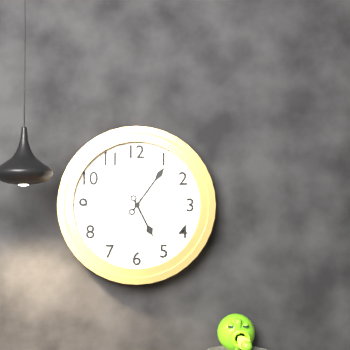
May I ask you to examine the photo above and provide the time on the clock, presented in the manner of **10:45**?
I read **5:06**
